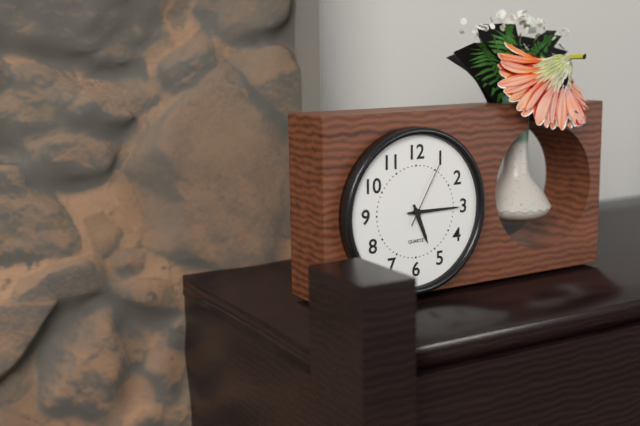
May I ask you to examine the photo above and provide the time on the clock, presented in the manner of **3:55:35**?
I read **5:15:05**
